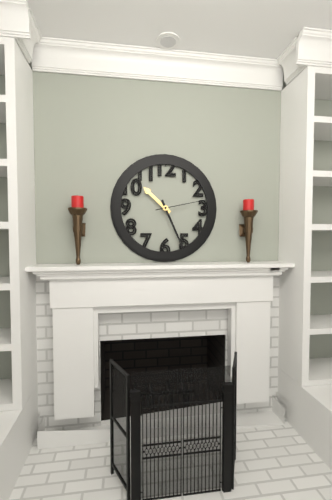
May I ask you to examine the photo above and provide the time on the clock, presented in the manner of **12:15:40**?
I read **10:26:13**
